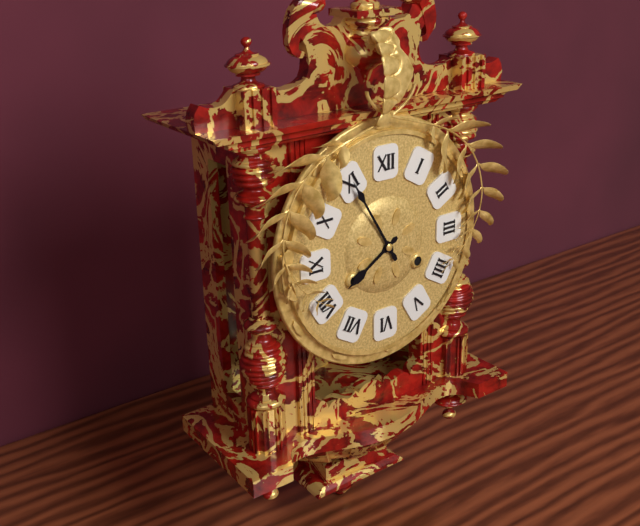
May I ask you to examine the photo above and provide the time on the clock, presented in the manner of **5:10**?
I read **7:55**
